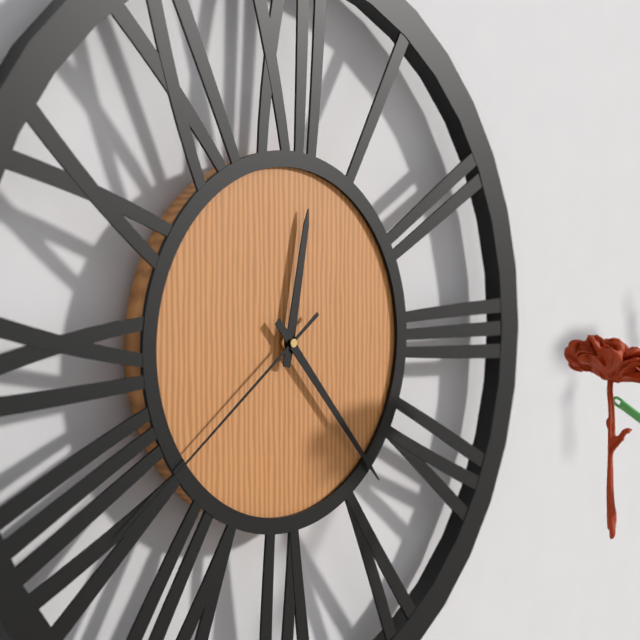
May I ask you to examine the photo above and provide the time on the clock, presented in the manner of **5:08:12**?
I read **12:23:39**
